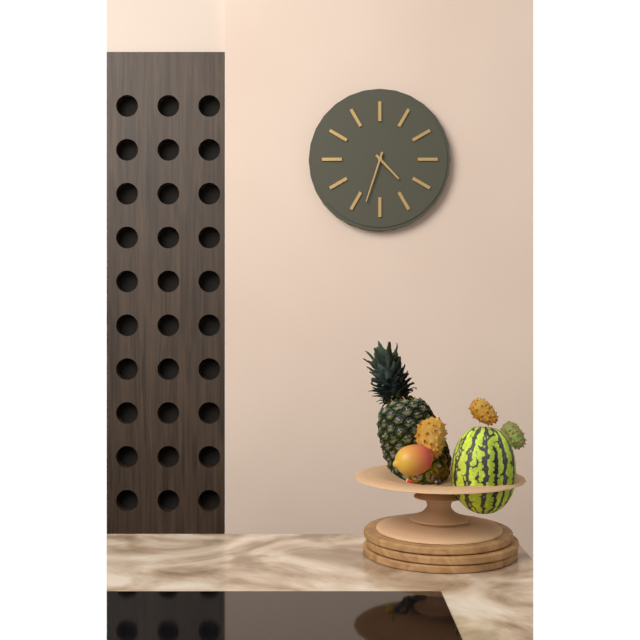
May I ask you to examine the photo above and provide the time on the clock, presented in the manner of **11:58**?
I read **4:33**
